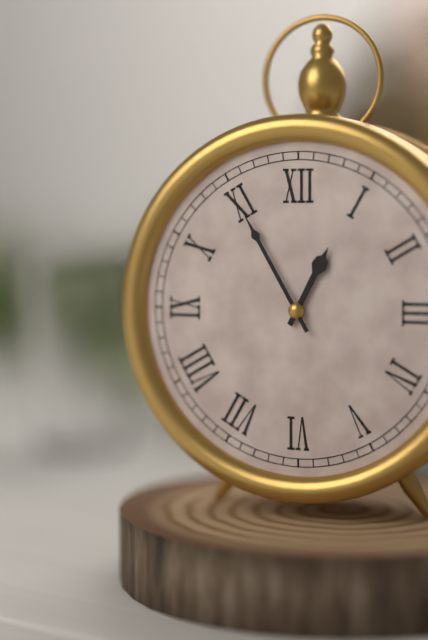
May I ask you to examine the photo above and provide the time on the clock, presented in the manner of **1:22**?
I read **12:55**
